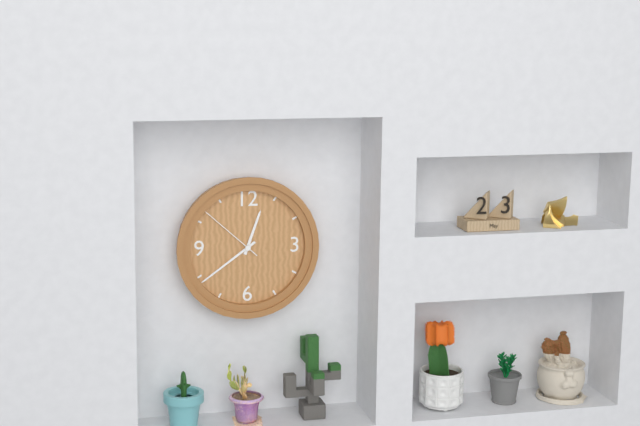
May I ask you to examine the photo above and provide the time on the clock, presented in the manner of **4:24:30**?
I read **12:39:52**
